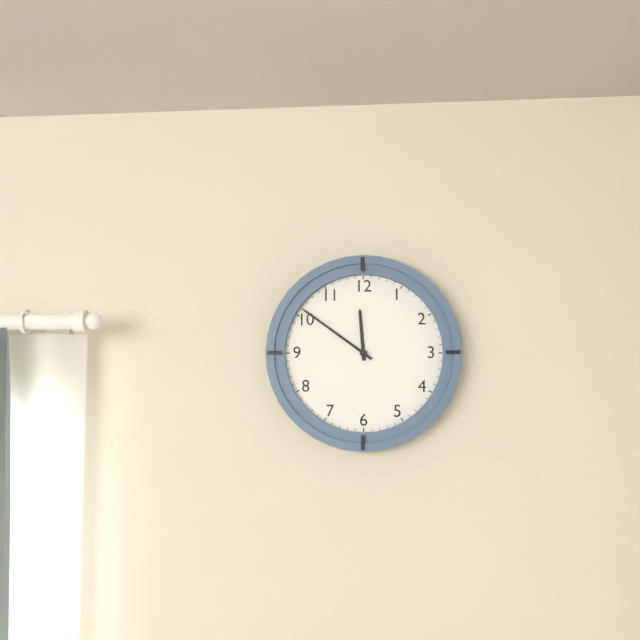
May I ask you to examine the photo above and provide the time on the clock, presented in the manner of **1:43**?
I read **11:51**
